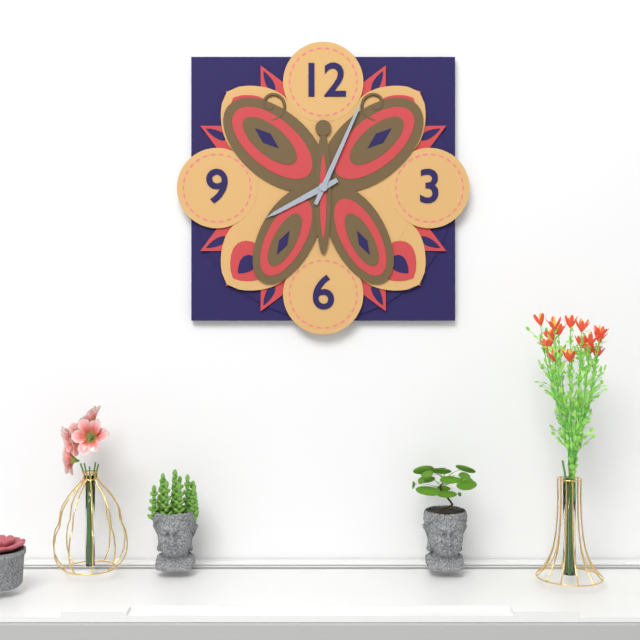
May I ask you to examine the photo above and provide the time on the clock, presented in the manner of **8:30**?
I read **8:04**
